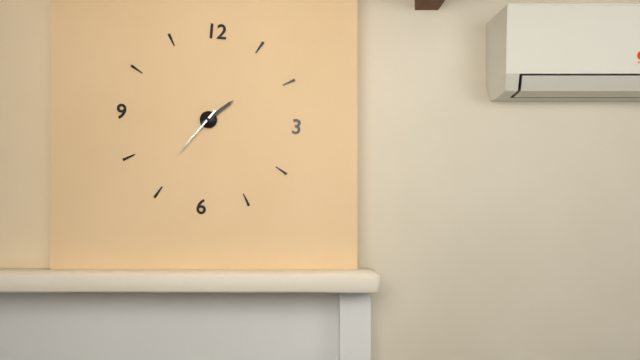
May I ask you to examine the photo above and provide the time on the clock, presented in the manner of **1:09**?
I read **1:36**
